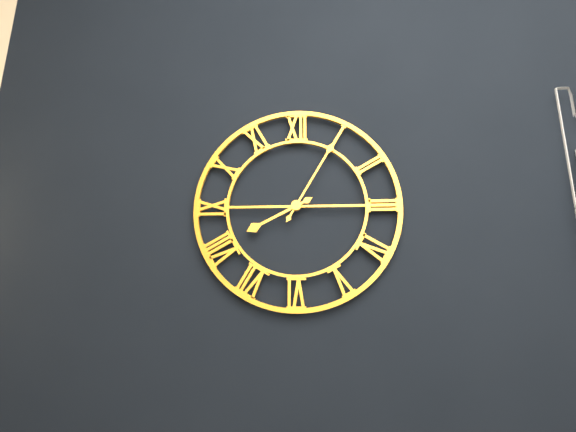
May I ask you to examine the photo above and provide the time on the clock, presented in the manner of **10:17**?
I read **8:05**
